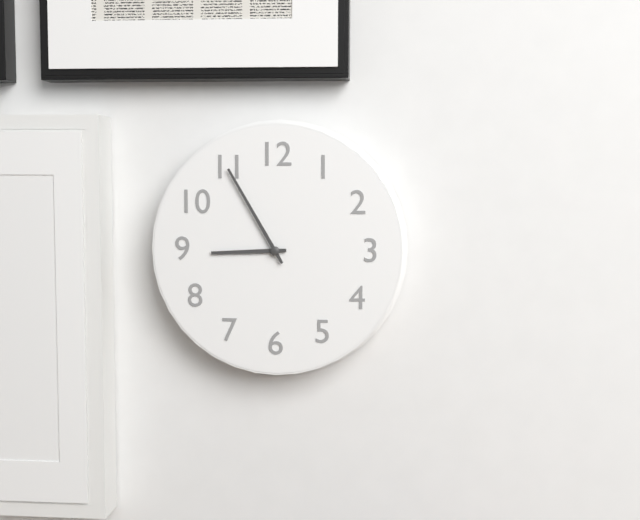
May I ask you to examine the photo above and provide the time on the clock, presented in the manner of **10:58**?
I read **8:55**
